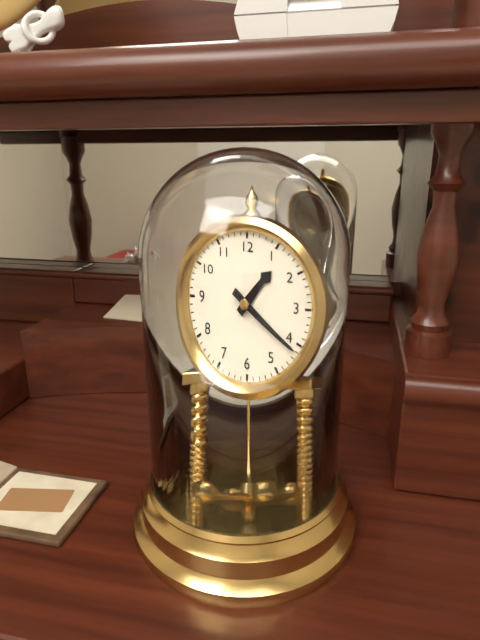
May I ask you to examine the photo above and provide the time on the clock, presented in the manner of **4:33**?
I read **1:21**
